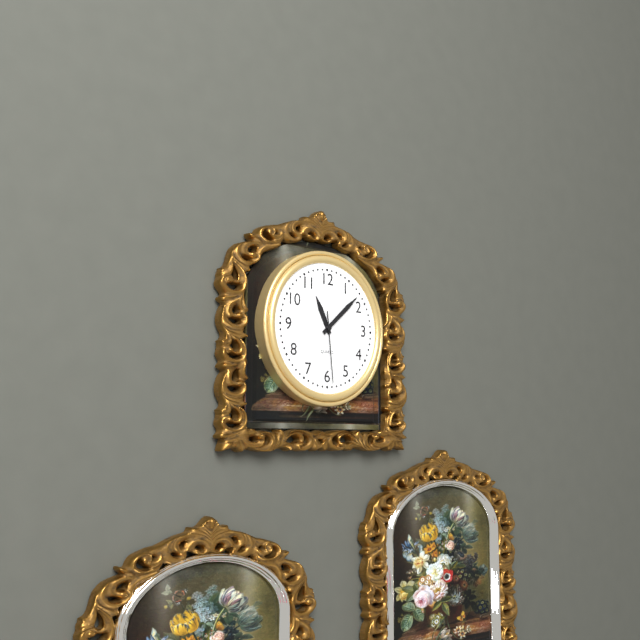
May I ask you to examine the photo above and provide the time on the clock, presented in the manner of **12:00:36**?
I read **11:08:29**
